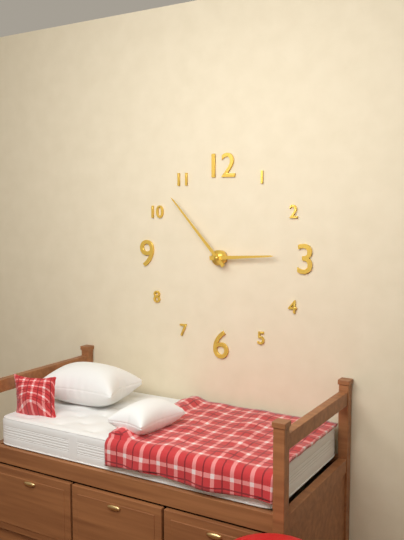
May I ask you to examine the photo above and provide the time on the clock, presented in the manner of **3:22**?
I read **2:53**
